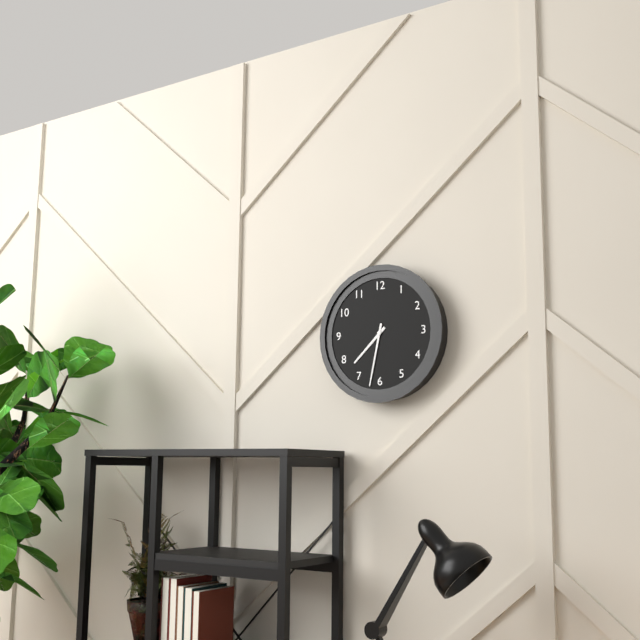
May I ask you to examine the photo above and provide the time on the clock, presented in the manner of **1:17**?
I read **7:32**
